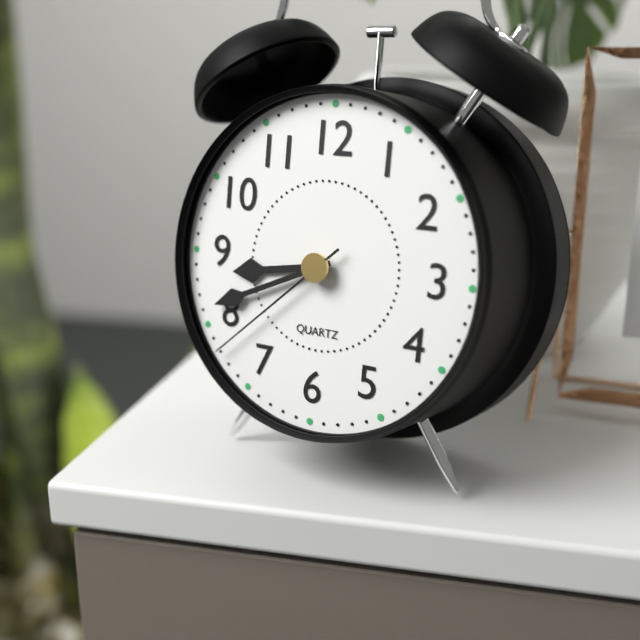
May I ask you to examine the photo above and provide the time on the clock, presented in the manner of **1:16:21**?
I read **8:41:38**
